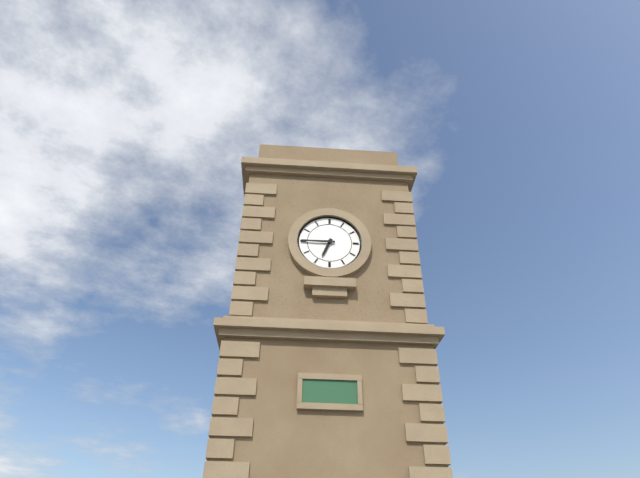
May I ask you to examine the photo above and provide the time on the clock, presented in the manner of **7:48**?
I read **6:45**
